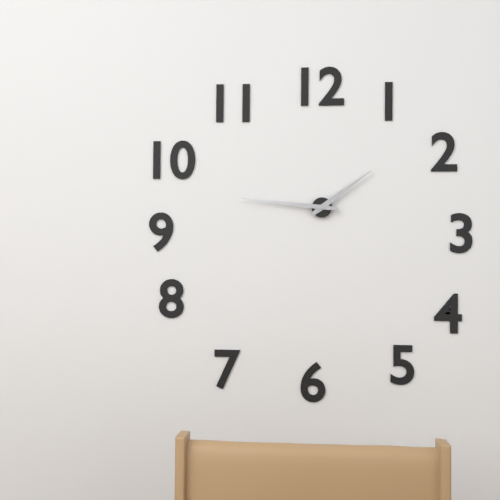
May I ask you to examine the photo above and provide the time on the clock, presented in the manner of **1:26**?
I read **1:46**
